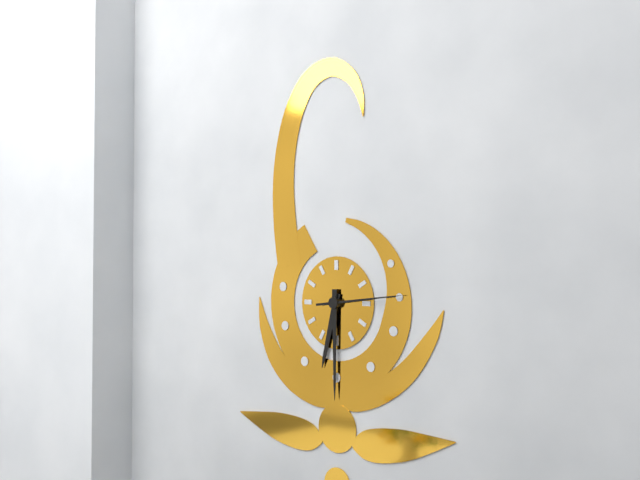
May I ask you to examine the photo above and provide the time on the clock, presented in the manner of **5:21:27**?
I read **6:30:14**
